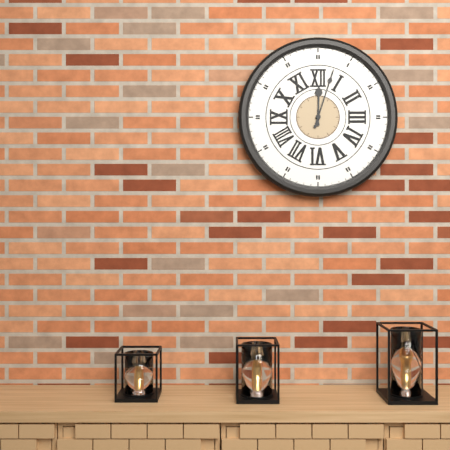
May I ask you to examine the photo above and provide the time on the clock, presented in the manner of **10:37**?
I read **12:03**
